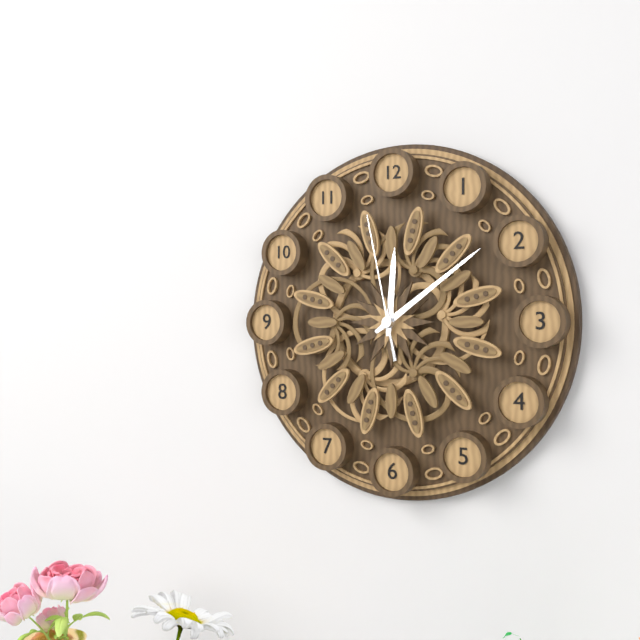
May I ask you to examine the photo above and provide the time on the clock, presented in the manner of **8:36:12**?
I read **12:09:58**
